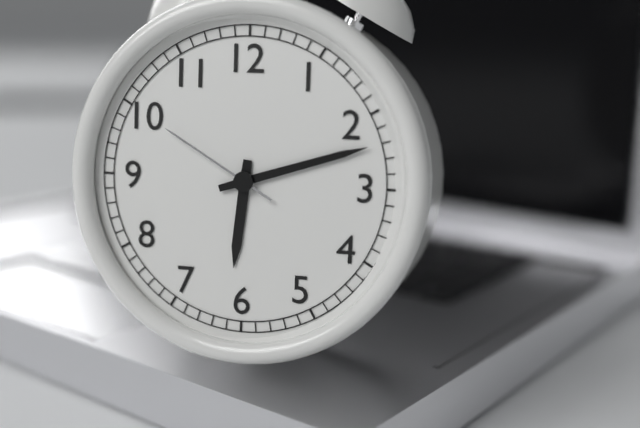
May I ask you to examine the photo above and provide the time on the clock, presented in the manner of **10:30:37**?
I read **6:12:50**
